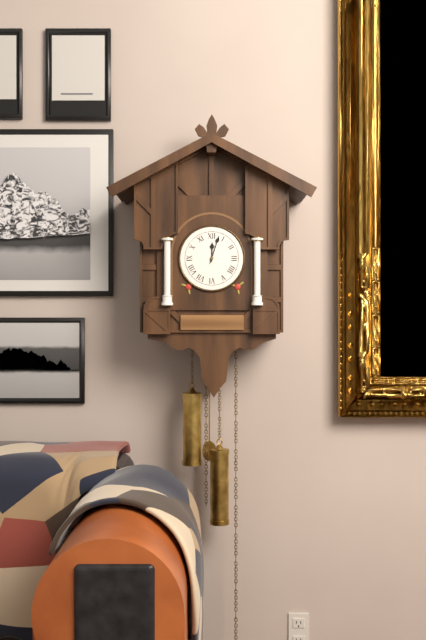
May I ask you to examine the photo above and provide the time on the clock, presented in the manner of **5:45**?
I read **12:03**
